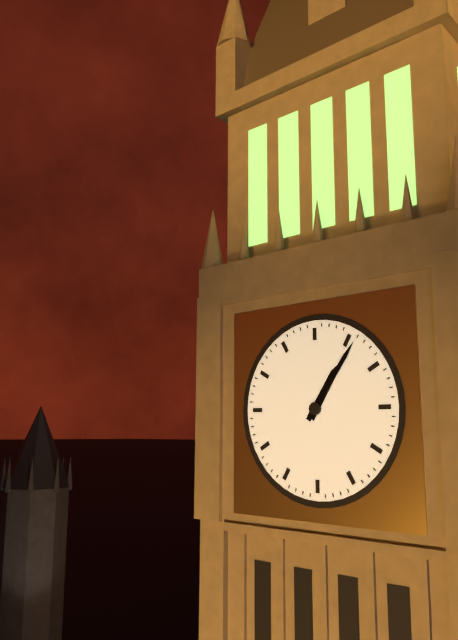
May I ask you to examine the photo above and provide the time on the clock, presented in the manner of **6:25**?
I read **1:06**
